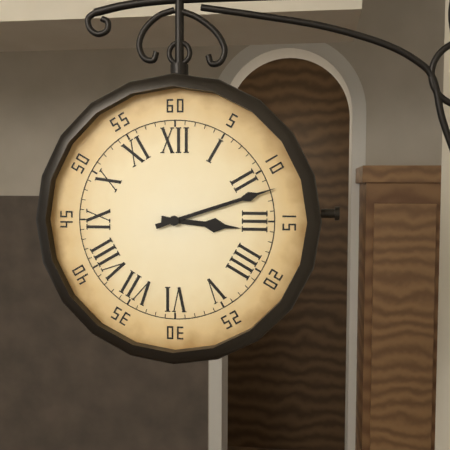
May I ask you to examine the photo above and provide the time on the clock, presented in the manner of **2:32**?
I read **3:12**
